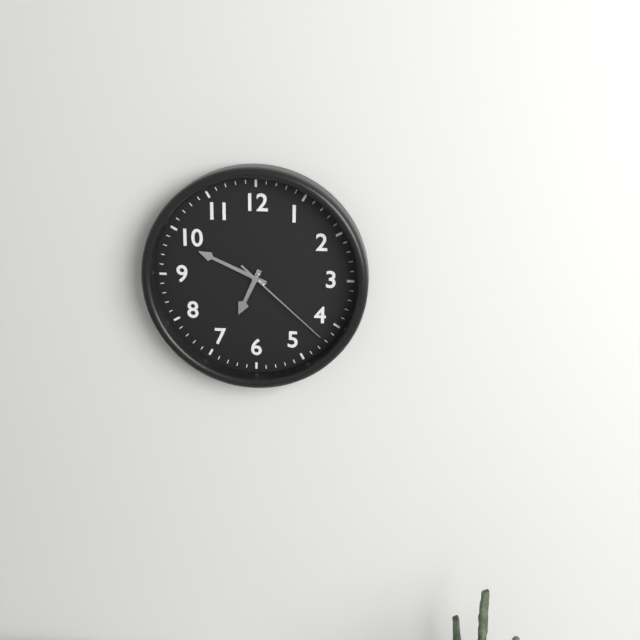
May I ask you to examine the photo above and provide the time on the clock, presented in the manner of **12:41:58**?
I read **6:49:22**
